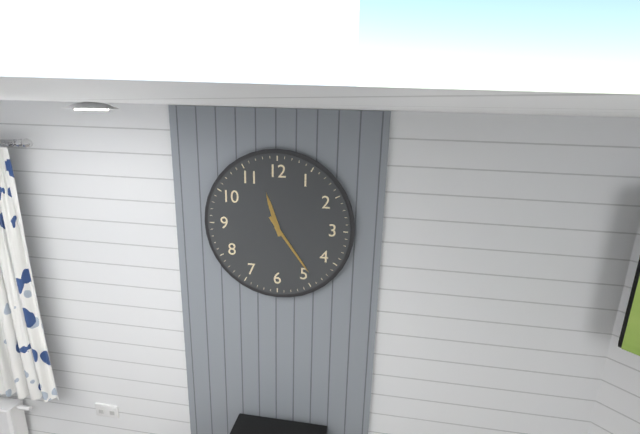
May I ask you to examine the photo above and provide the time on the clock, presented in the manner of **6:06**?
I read **11:24**
